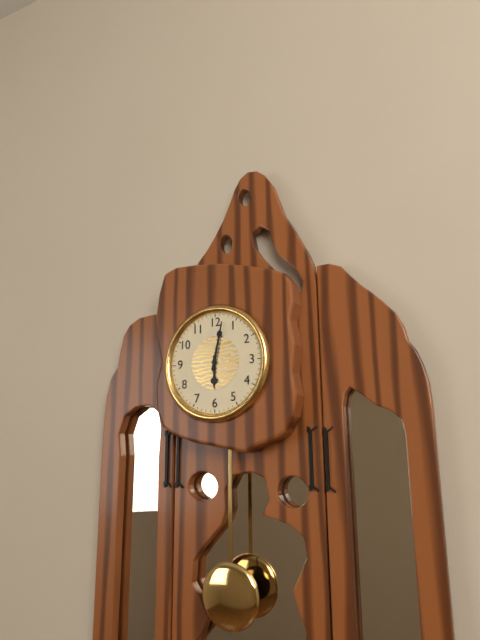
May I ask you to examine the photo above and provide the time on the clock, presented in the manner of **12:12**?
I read **6:02**
